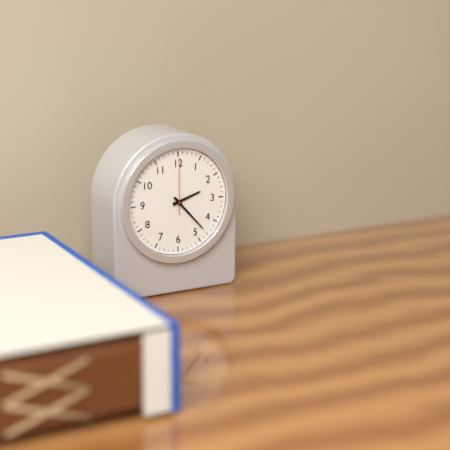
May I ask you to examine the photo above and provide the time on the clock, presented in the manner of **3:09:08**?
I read **2:23:00**
